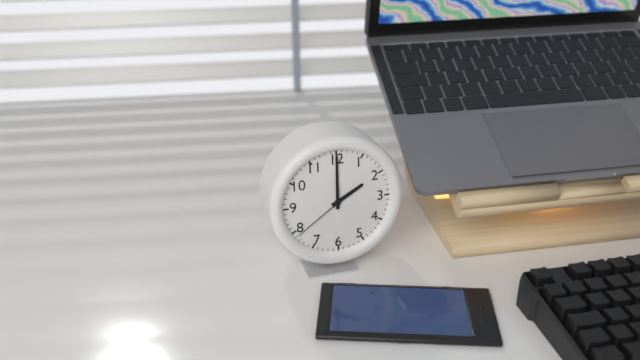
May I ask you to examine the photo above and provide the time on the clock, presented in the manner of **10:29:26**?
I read **2:00:39**
